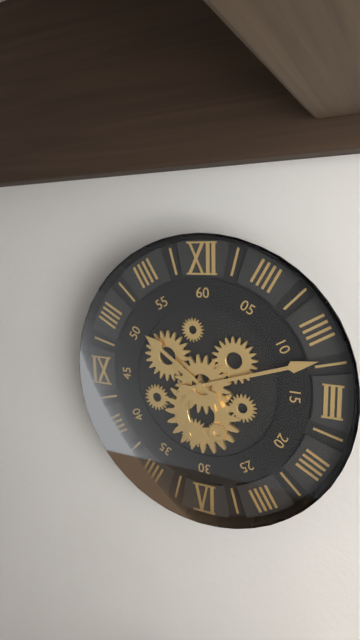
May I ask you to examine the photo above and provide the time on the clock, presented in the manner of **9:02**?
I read **10:12**
